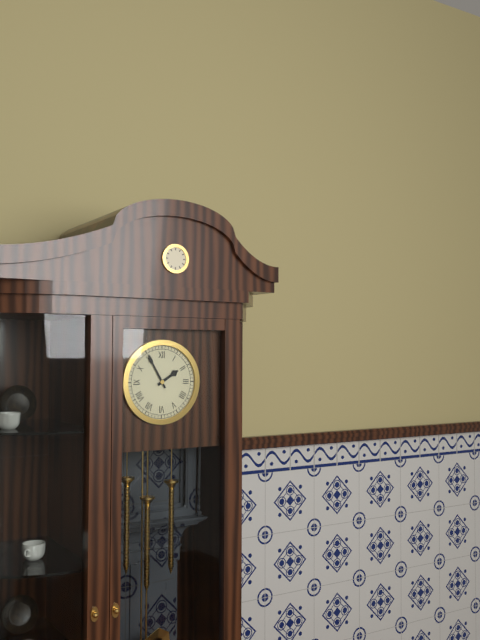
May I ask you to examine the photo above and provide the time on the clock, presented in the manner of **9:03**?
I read **1:55**
